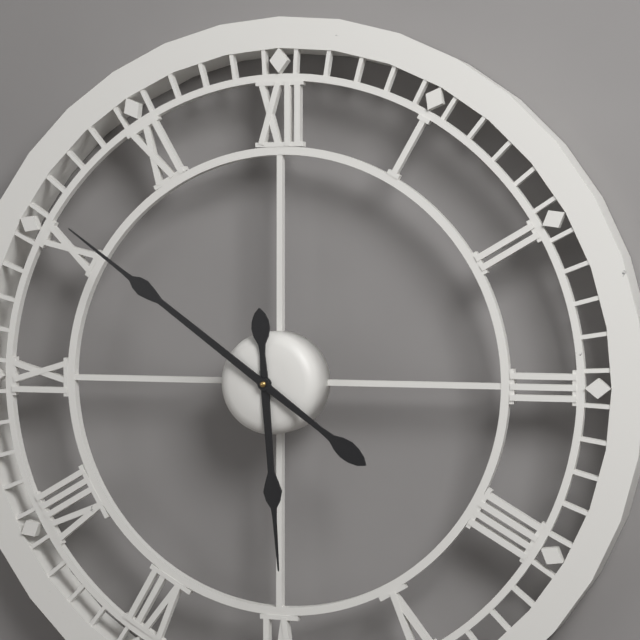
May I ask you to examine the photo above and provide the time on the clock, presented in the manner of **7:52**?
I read **5:51**
